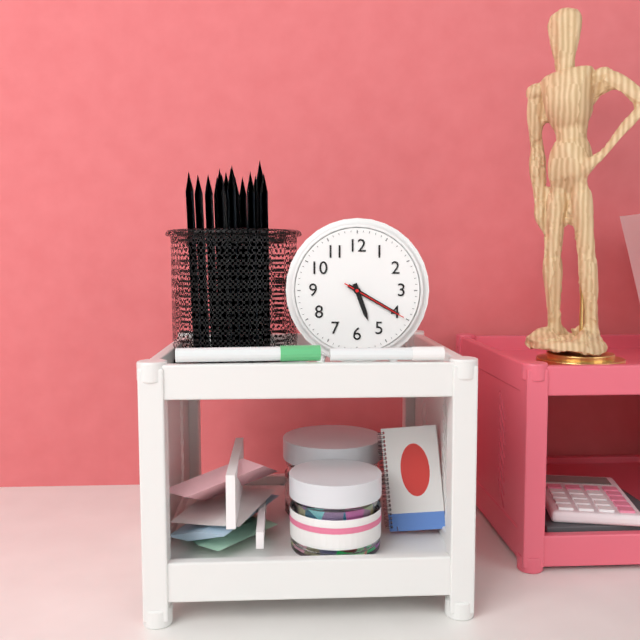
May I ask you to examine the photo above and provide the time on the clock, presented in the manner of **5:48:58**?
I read **5:20:20**
